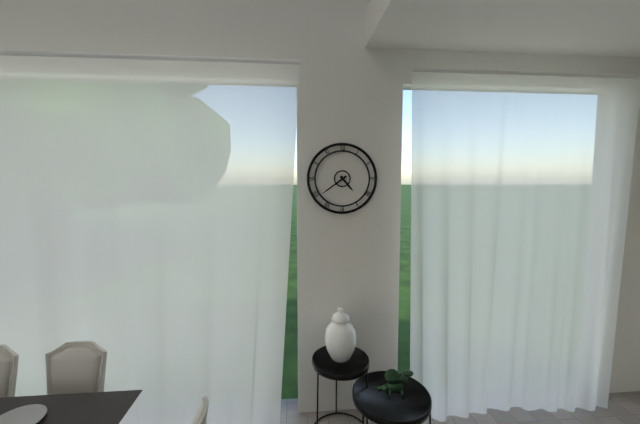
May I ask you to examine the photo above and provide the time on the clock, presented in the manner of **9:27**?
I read **4:39**
